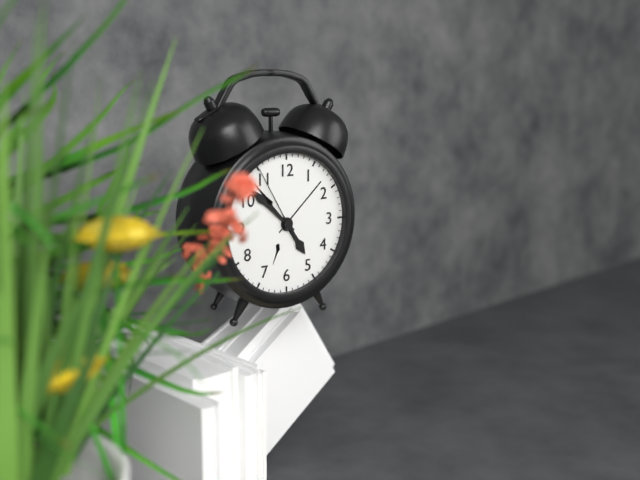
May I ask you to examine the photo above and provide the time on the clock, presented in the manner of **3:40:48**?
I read **4:52:55**
